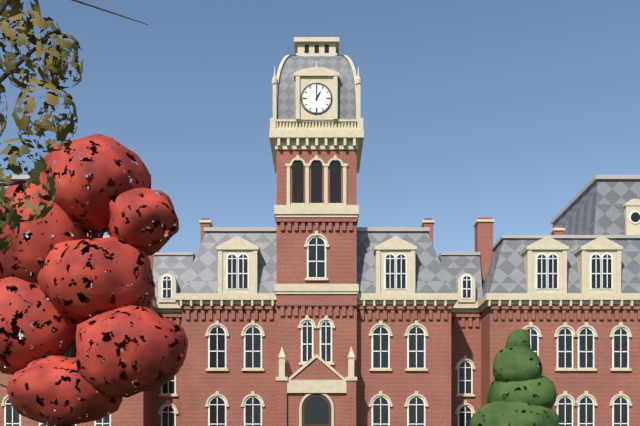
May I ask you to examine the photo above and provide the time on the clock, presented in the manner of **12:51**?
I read **1:00**
